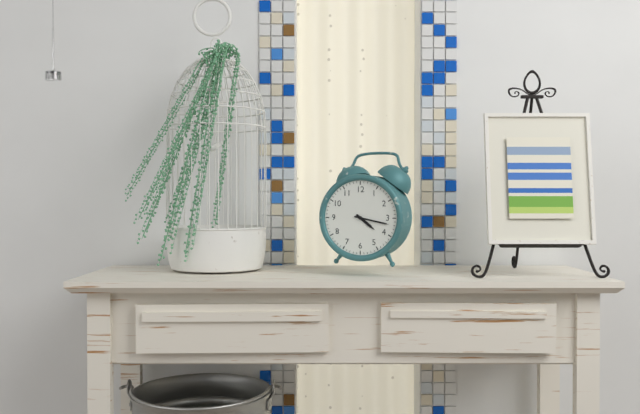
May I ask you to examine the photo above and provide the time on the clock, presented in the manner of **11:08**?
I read **4:17**
